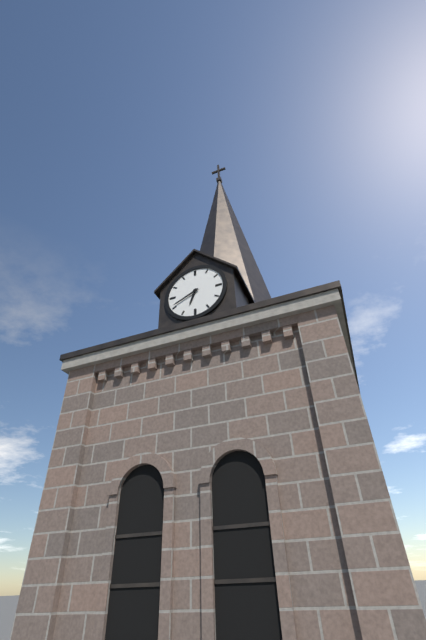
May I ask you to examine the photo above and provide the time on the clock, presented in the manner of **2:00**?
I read **6:41**
